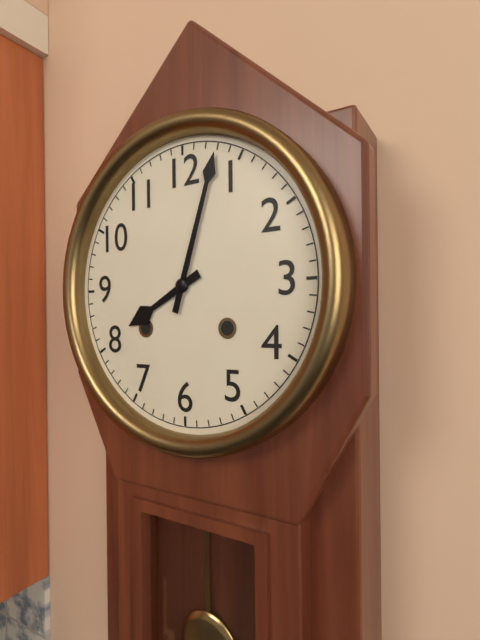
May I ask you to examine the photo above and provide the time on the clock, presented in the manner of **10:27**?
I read **8:03**
